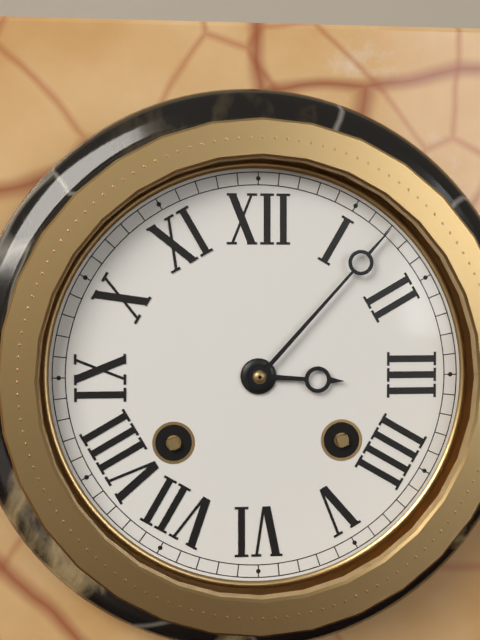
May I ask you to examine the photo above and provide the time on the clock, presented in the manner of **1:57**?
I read **3:07**
